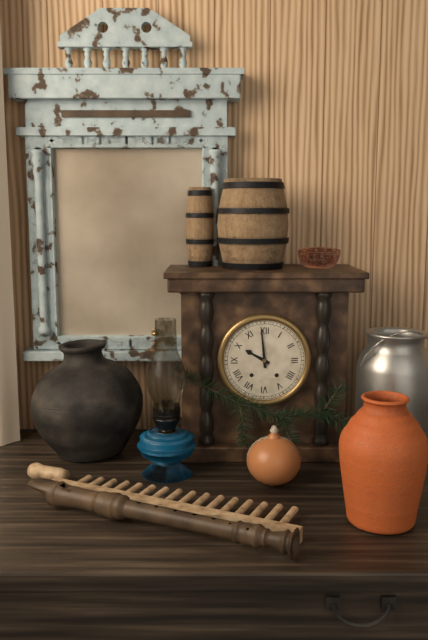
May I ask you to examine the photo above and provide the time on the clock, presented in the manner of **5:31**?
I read **9:59**
